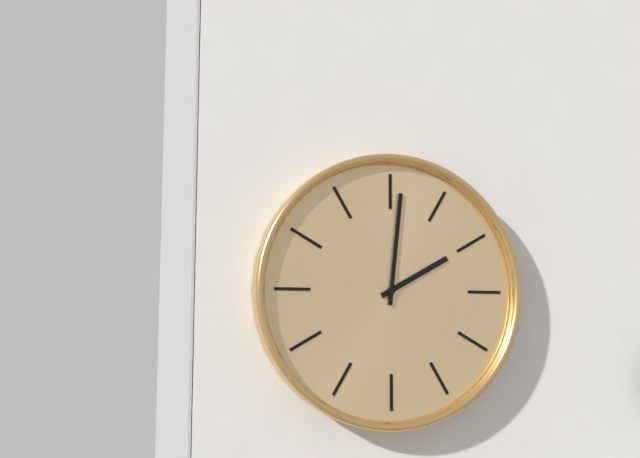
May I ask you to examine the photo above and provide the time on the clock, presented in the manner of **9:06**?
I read **2:01**
